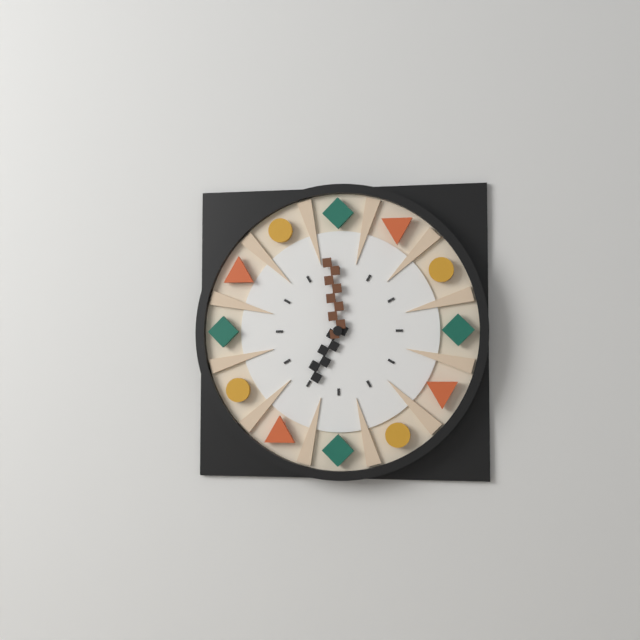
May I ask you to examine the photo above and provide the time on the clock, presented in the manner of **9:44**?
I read **6:59**
